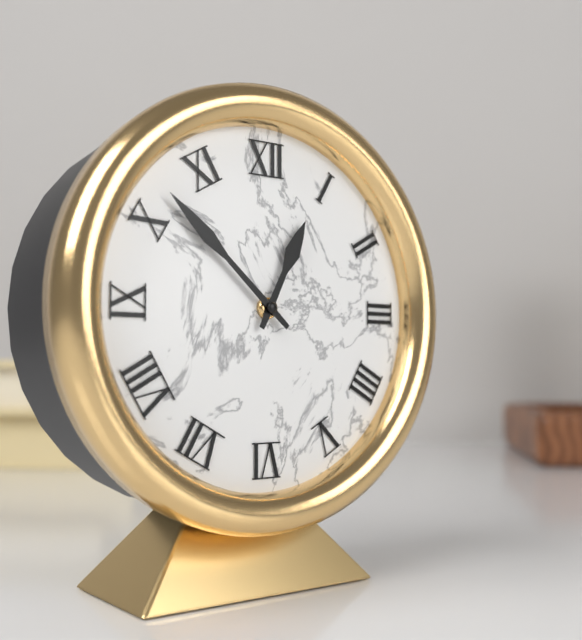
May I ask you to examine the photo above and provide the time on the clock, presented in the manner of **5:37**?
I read **12:52**
